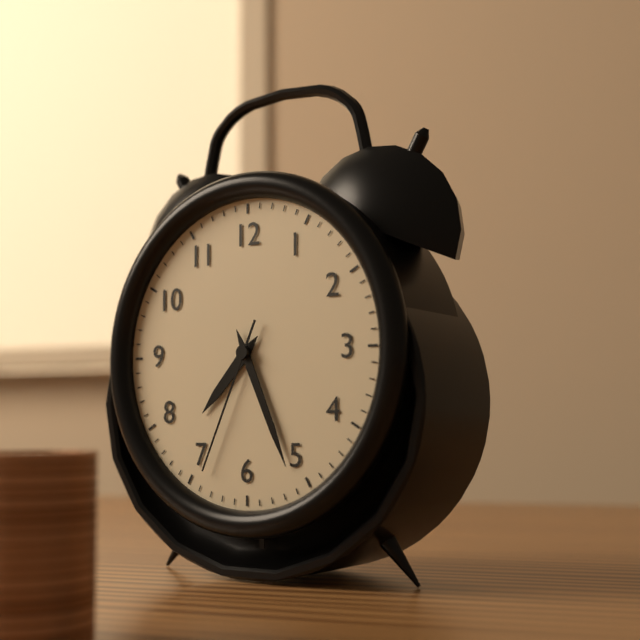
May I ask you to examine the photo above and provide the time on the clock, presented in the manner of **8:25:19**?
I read **7:26:34**
